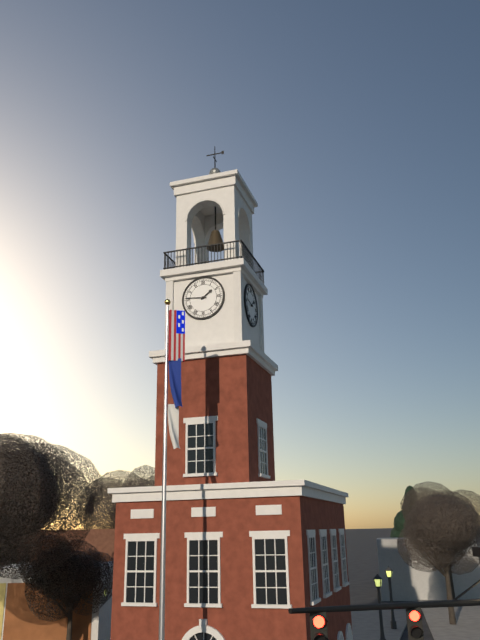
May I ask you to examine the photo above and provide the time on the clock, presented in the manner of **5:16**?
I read **1:46**
